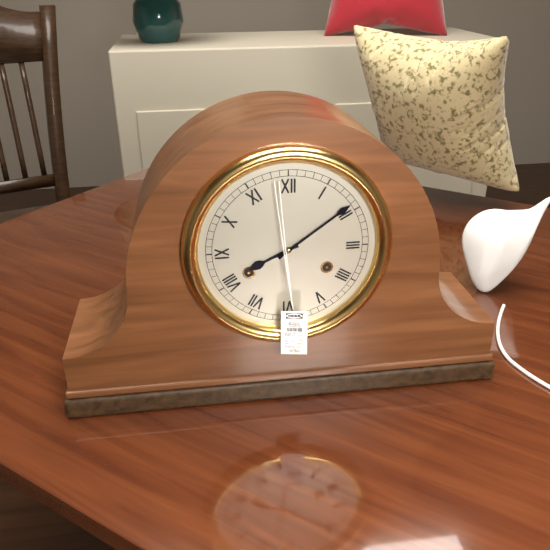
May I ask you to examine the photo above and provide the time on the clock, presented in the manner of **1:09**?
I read **8:09**
